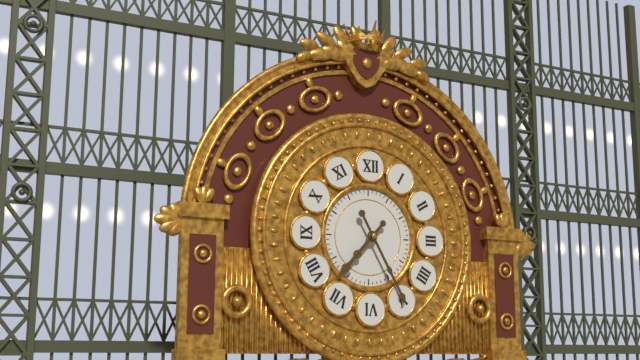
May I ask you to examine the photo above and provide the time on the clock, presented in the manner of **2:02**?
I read **7:25**
